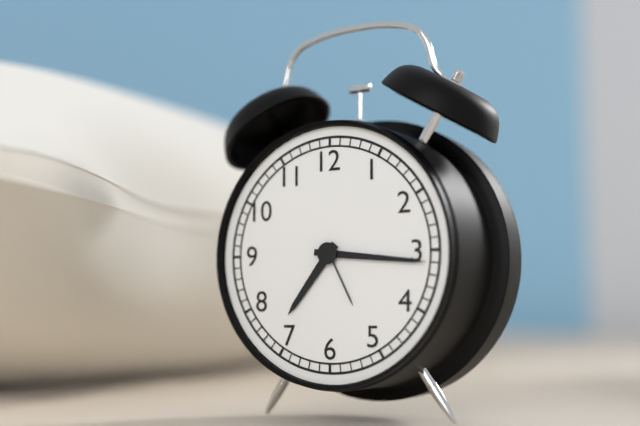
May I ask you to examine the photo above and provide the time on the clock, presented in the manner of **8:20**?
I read **7:16**
